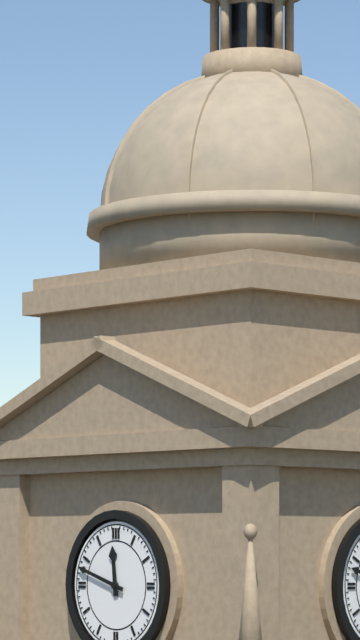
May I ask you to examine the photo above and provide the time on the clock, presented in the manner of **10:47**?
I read **11:48**
